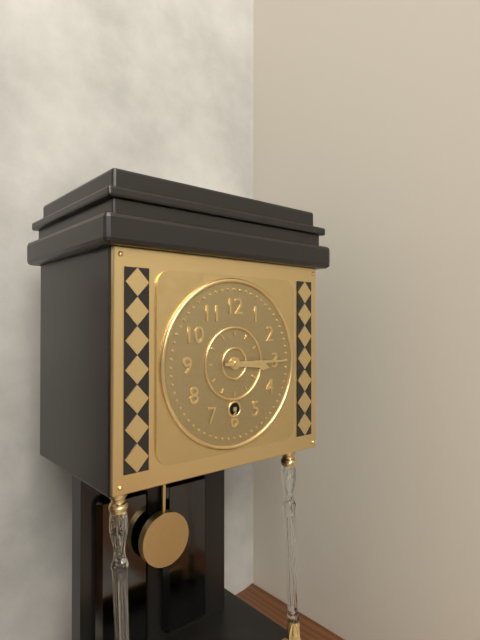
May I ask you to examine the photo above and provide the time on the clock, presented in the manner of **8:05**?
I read **3:15**
